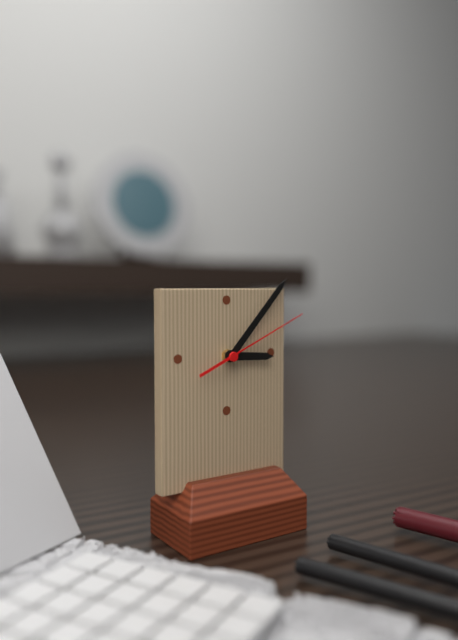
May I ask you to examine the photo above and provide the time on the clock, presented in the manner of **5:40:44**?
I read **3:07:11**
